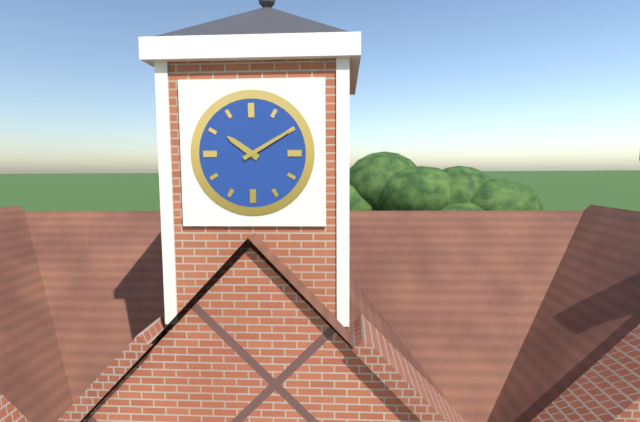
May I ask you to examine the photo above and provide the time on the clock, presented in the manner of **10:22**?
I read **10:10**
